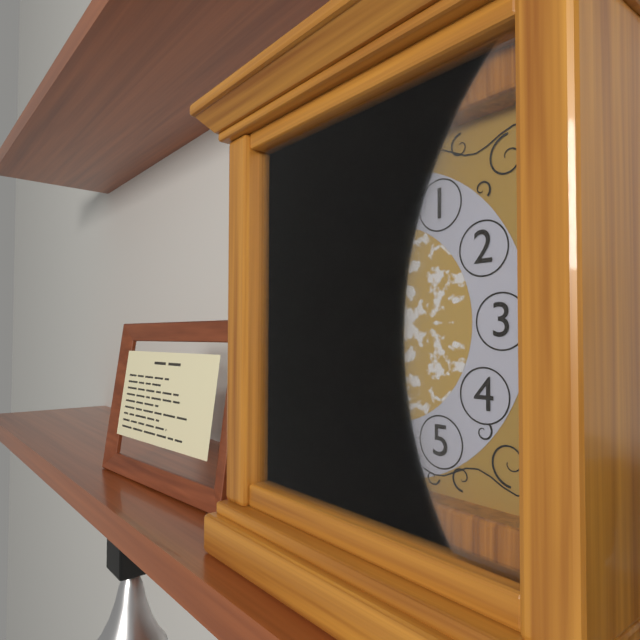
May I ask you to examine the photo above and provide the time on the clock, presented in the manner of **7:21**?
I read **11:40**
